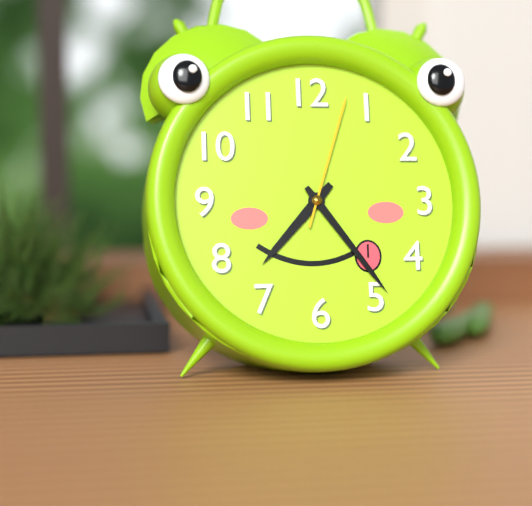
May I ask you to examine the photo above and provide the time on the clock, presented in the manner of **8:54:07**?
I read **7:24:03**
